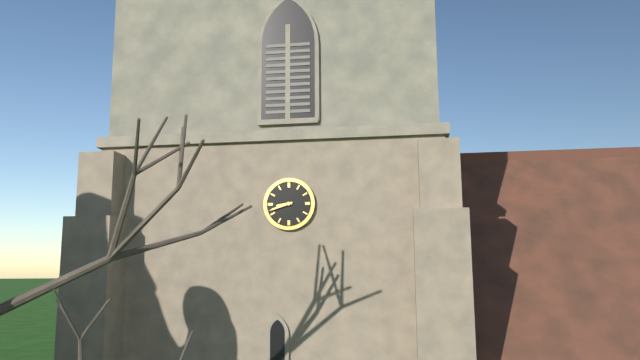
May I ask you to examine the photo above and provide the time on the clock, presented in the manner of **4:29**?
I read **8:42**
